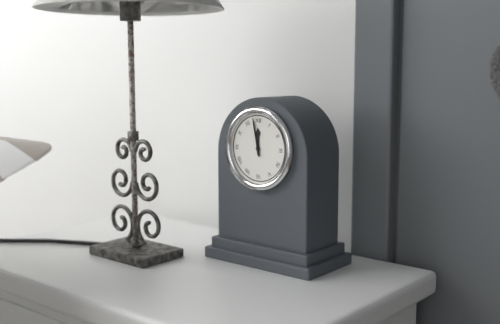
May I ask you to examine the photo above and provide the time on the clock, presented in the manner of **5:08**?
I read **11:58**
